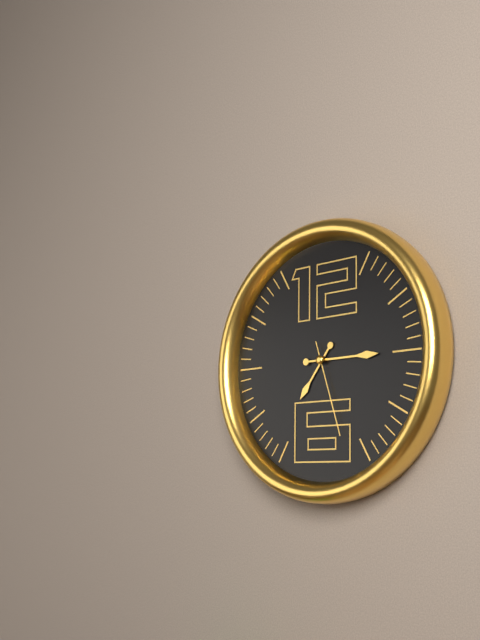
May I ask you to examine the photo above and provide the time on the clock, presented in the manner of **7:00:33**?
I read **7:15:27**
